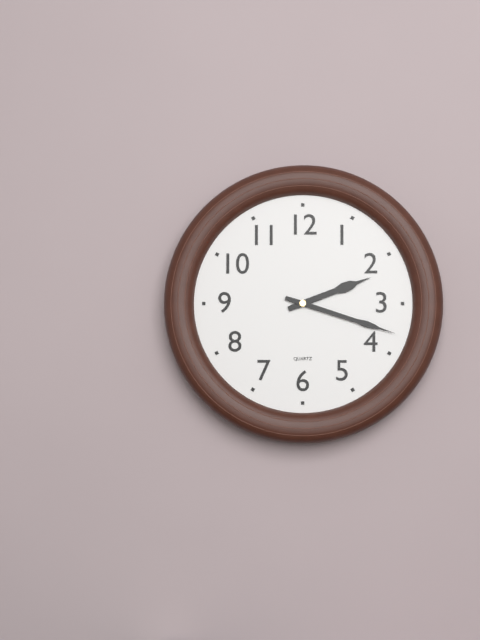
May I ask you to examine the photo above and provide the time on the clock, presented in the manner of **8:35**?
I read **2:18**
